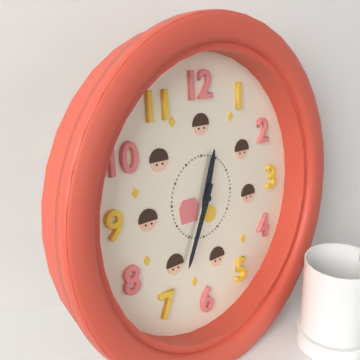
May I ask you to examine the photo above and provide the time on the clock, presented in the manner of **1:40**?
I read **12:34**
